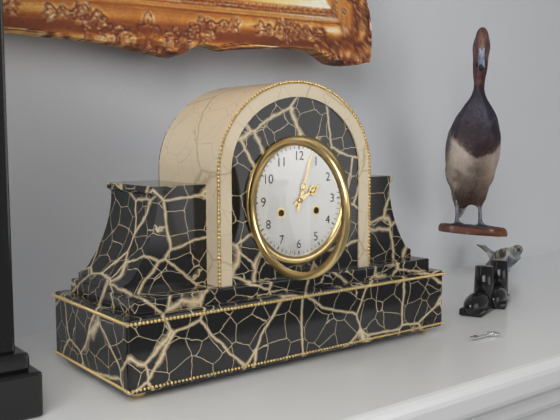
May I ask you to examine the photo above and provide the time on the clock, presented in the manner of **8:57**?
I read **2:03**
